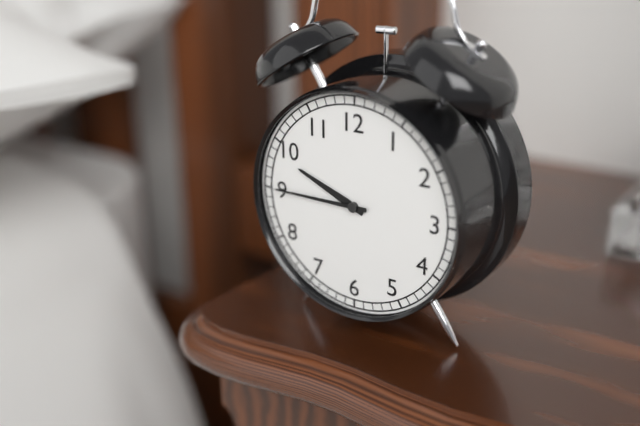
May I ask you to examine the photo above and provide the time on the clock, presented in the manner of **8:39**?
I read **9:45**
